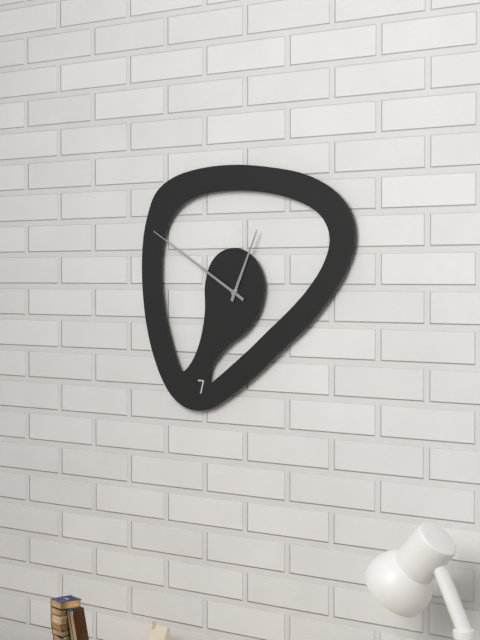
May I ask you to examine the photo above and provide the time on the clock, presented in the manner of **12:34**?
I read **12:50**
